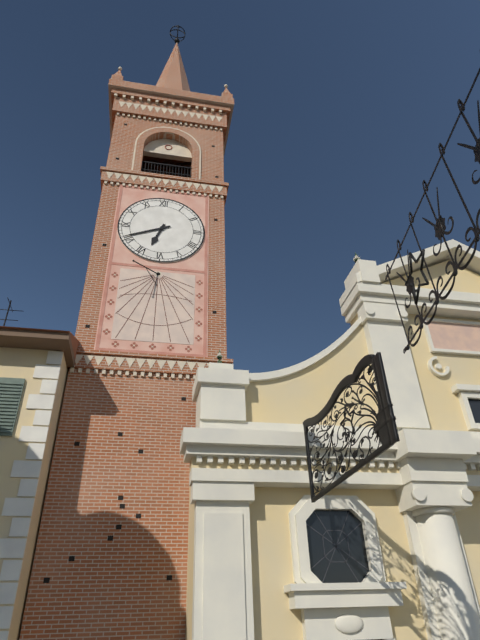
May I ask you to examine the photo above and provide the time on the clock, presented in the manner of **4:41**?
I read **6:41**
